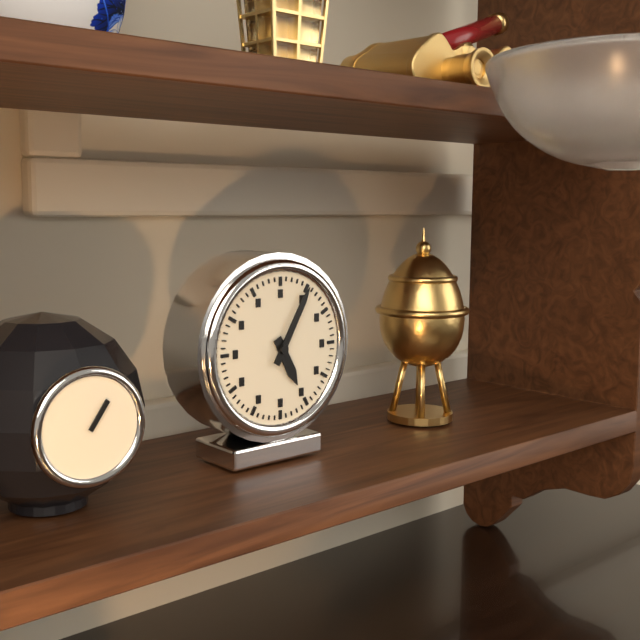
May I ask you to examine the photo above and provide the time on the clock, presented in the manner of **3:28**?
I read **5:05**
